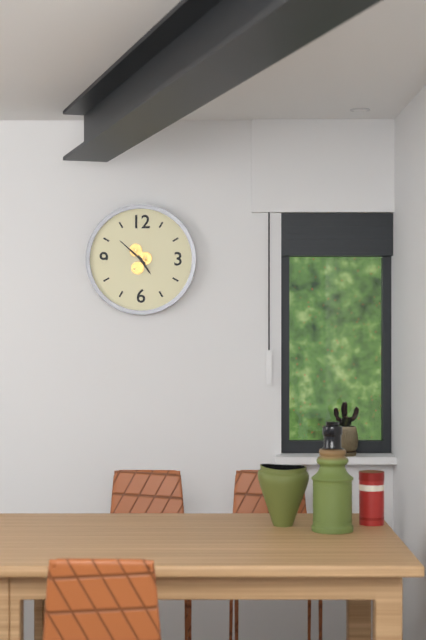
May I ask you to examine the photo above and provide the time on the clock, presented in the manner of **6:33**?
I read **4:52**
